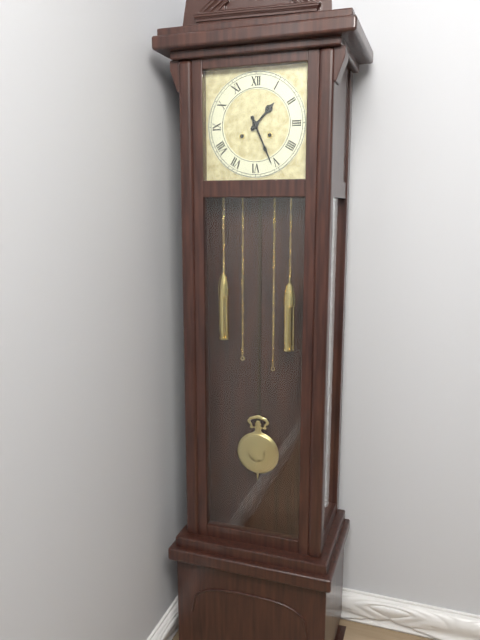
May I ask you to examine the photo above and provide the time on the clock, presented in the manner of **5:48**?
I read **1:26**
